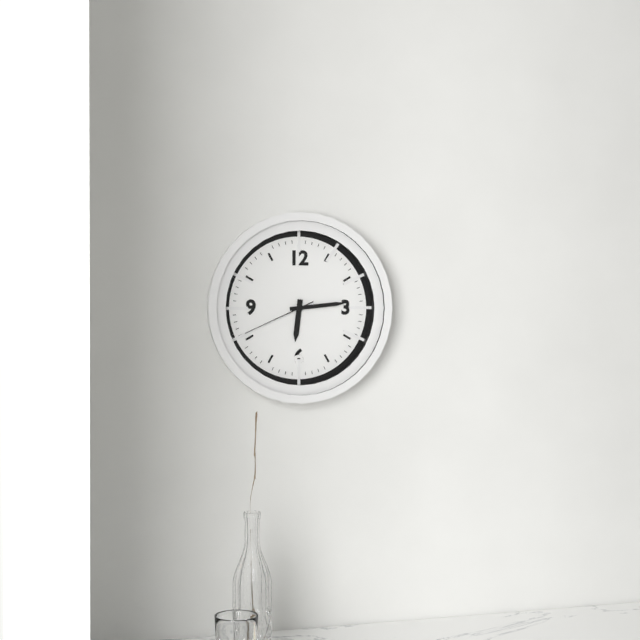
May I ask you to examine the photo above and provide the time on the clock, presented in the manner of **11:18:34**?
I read **6:14:41**
